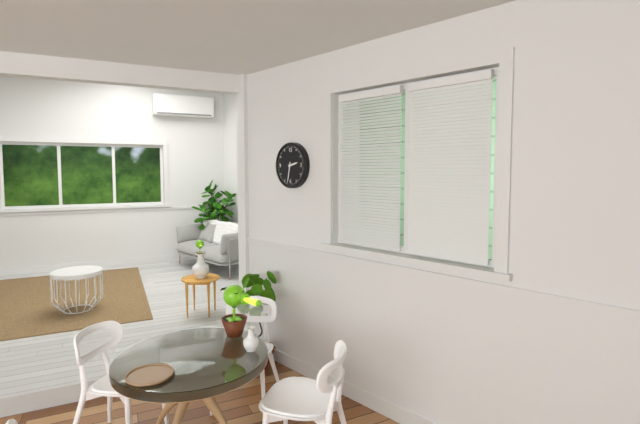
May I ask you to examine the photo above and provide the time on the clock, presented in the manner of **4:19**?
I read **2:32**
